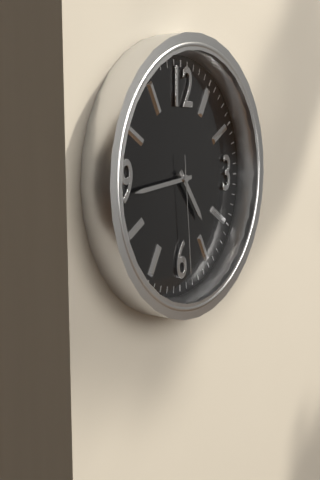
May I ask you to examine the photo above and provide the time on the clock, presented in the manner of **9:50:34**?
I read **4:44:29**
